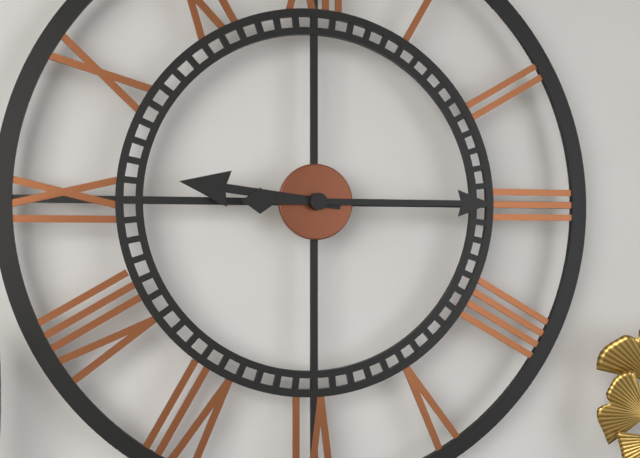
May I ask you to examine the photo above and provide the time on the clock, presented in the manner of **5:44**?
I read **9:15**
